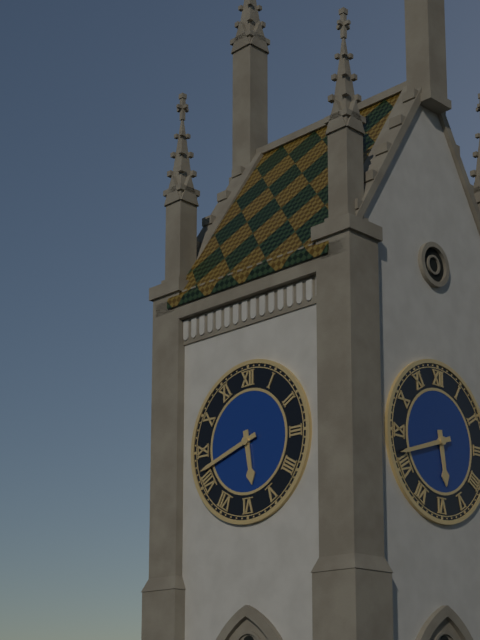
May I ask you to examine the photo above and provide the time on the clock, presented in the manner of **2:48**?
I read **5:42**
